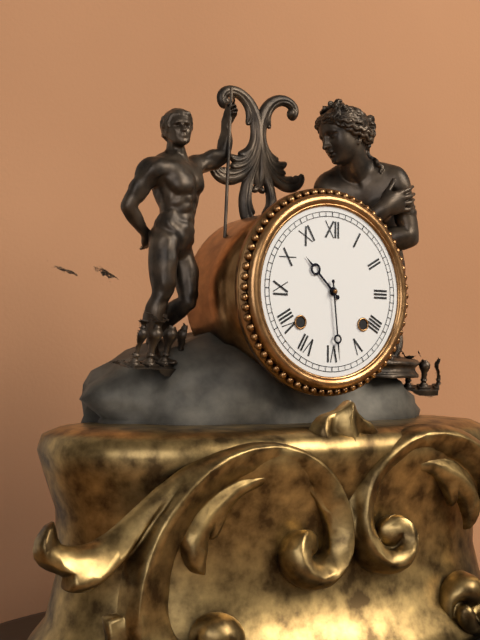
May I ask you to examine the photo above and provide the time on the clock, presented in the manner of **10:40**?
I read **10:29**
